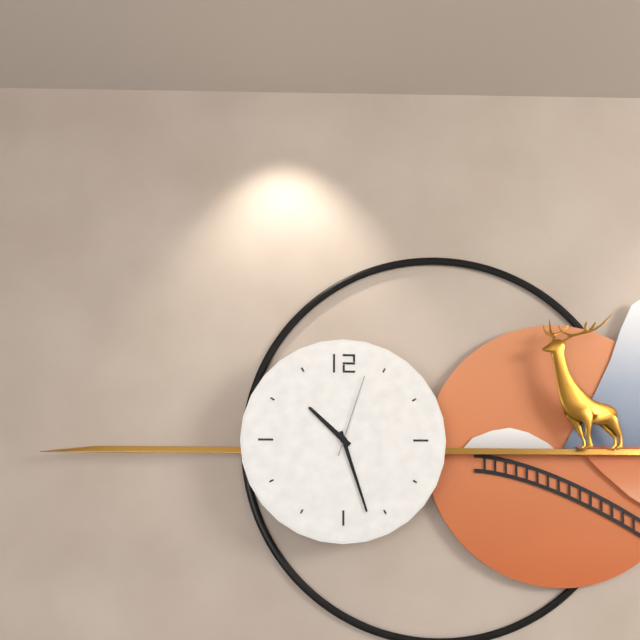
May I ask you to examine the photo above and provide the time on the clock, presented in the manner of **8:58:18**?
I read **10:27:03**
